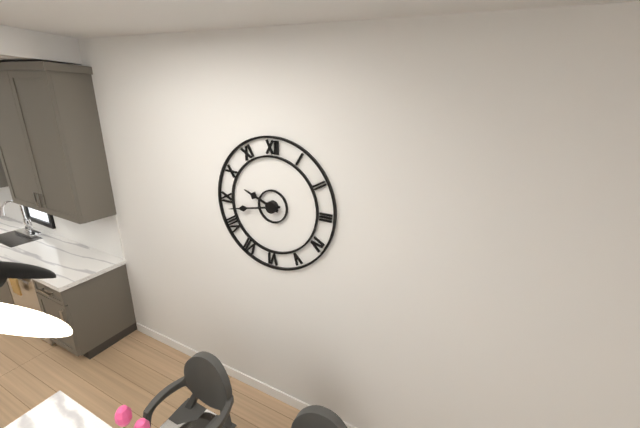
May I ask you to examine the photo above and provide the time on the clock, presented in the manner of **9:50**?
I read **9:43**
